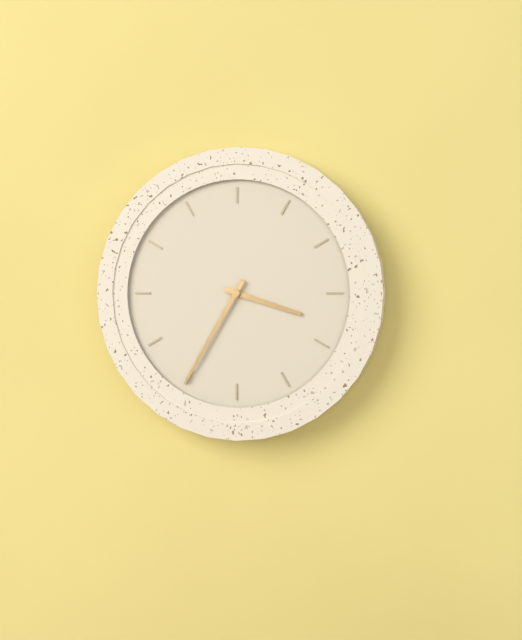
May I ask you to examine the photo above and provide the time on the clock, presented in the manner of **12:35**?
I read **3:35**
